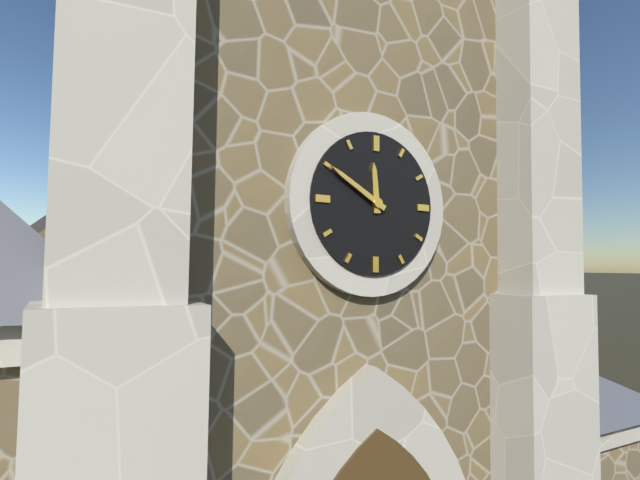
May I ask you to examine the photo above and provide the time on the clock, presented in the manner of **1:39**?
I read **11:50**
